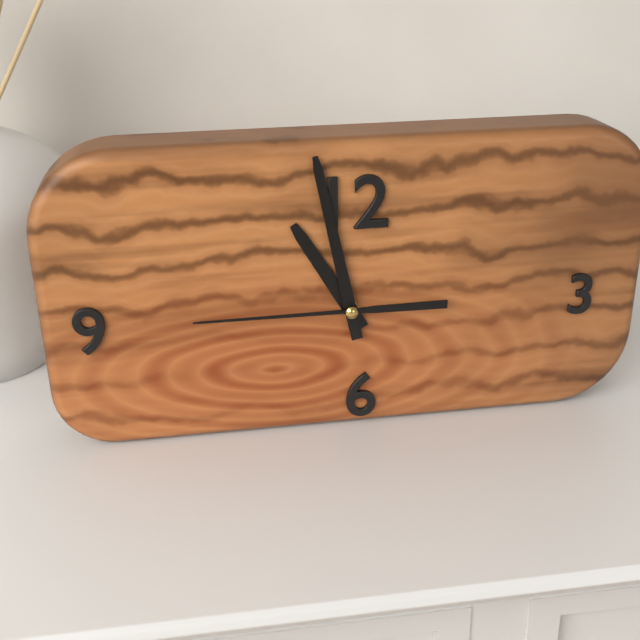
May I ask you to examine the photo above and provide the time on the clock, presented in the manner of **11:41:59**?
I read **10:58:45**
